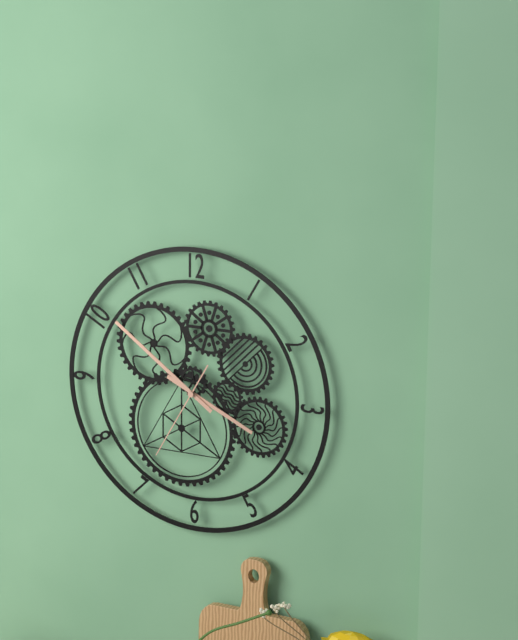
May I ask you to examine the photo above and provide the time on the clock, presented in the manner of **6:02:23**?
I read **3:51:35**
